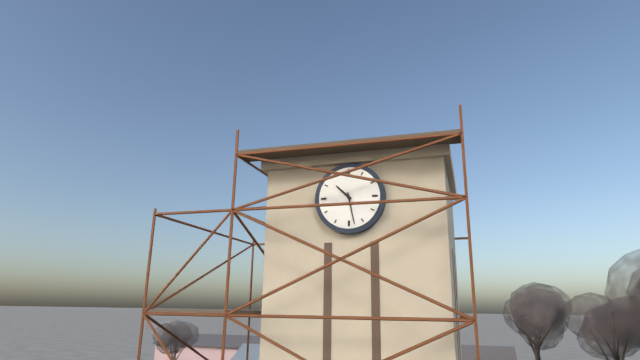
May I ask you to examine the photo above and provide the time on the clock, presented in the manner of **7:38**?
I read **10:28**
